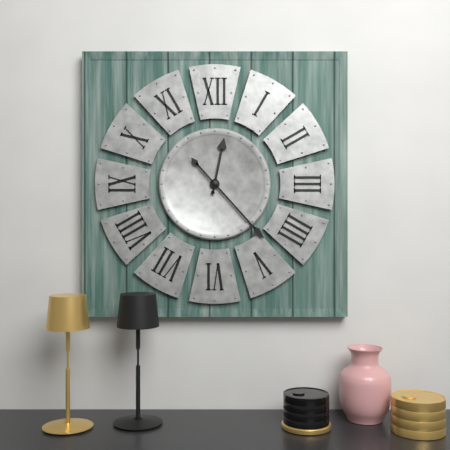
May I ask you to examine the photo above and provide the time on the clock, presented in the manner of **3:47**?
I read **12:23**
